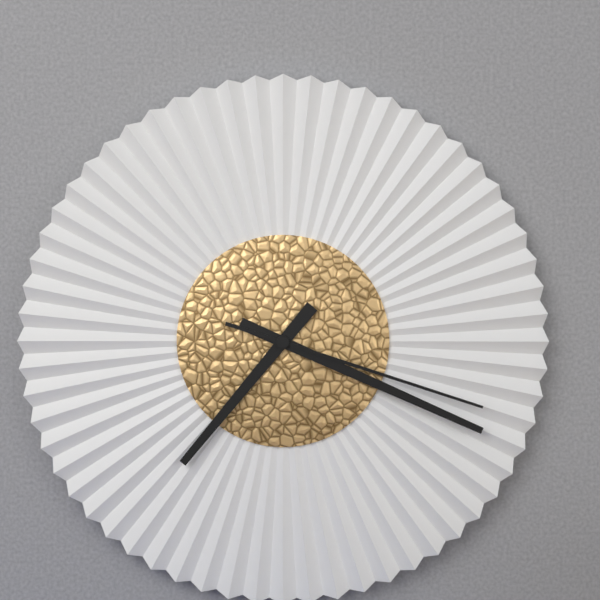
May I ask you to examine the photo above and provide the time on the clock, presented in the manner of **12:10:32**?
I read **7:19:18**
